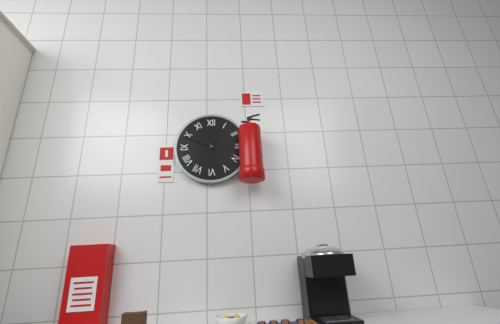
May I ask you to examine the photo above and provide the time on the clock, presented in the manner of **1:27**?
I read **12:49**
